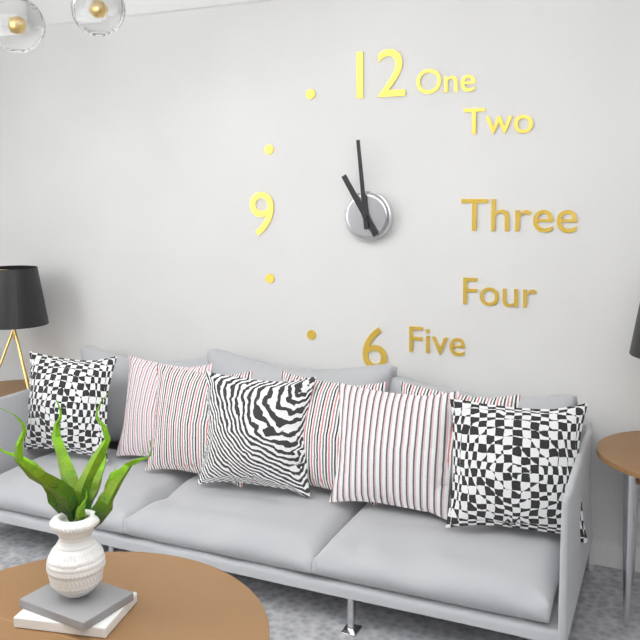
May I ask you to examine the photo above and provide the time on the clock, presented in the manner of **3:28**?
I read **10:59**
